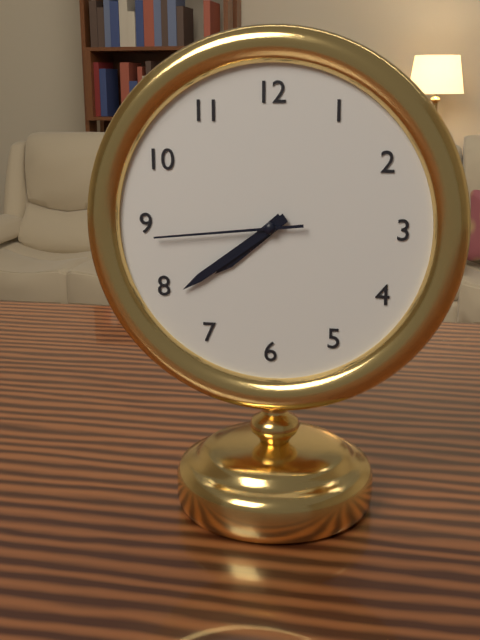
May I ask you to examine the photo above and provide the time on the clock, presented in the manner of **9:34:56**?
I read **7:39:44**
